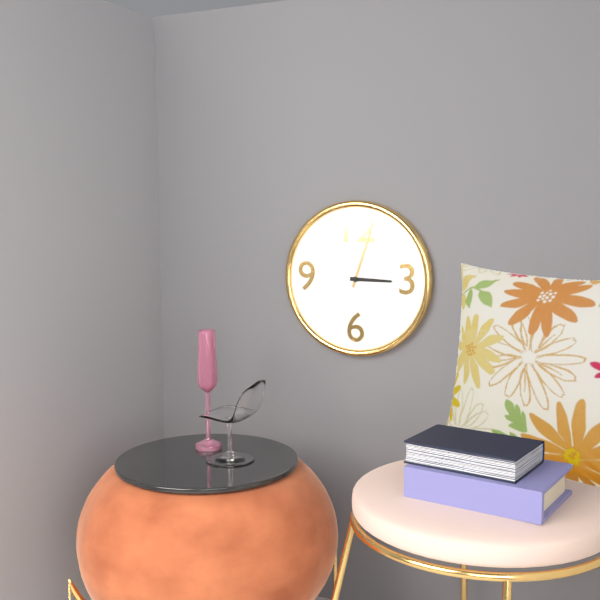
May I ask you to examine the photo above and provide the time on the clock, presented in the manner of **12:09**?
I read **3:03**
